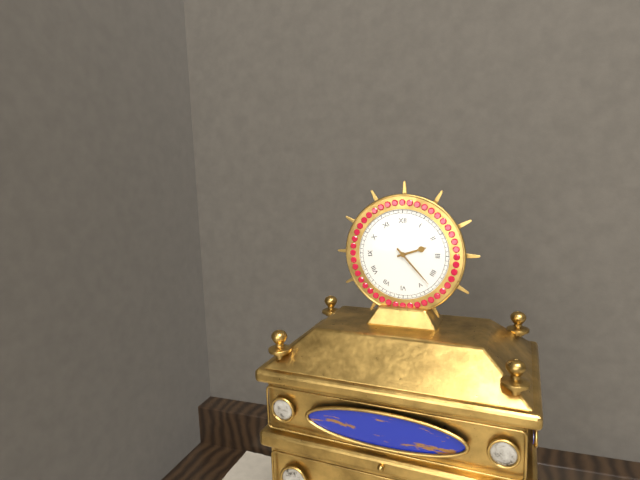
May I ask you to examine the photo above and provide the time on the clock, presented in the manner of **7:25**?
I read **2:23**
